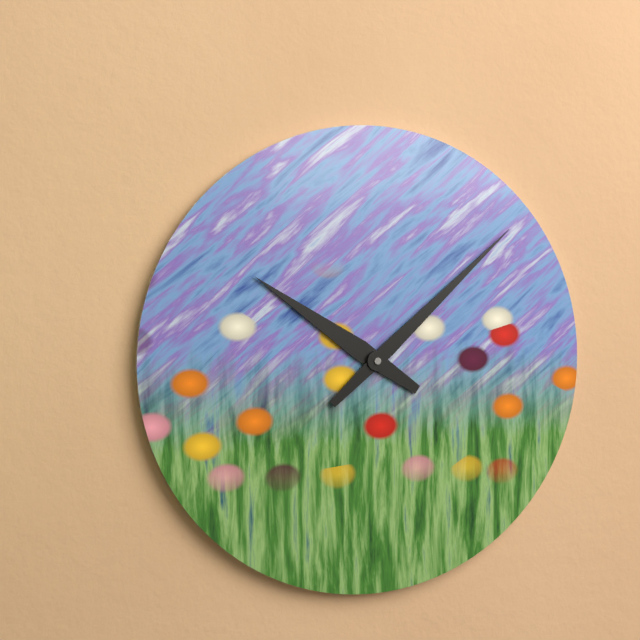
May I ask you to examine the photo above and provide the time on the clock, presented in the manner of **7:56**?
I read **10:08**
